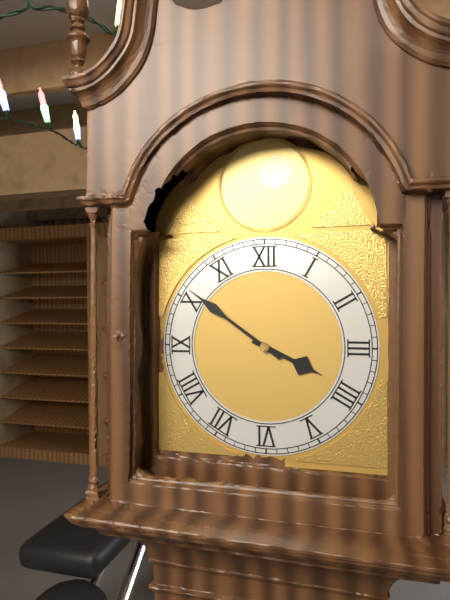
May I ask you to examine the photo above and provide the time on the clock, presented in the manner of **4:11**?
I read **3:51**
